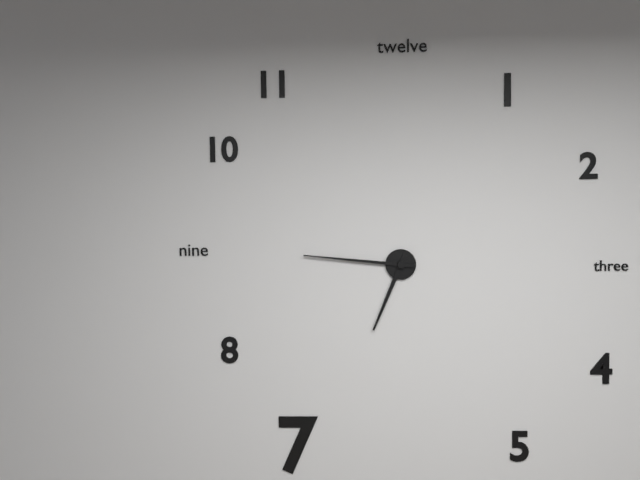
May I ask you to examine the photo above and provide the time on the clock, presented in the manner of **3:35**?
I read **6:46**
